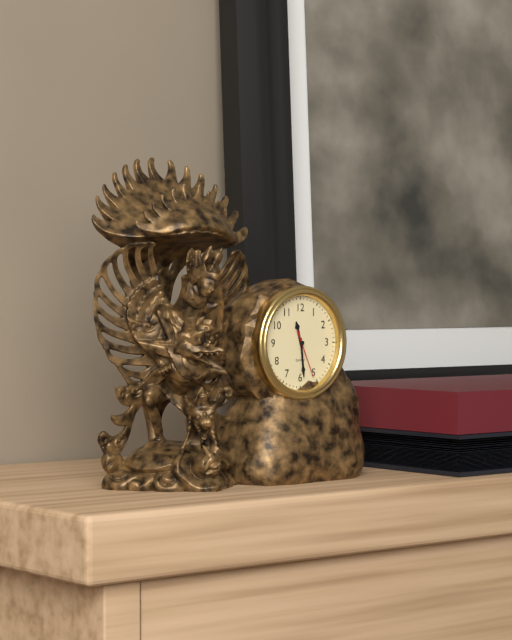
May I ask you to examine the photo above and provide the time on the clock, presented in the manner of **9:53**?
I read **11:29**
